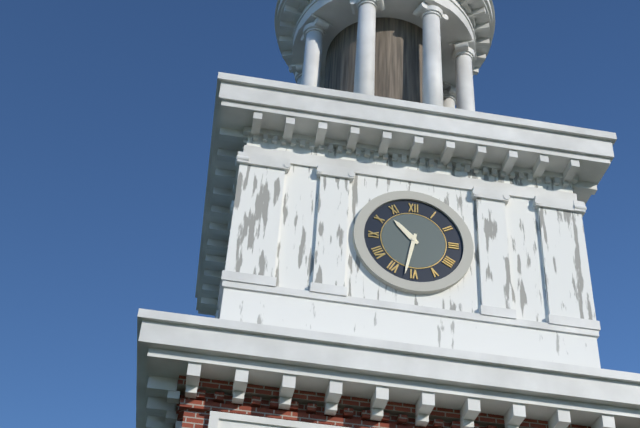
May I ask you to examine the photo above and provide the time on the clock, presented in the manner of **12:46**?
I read **10:32**
